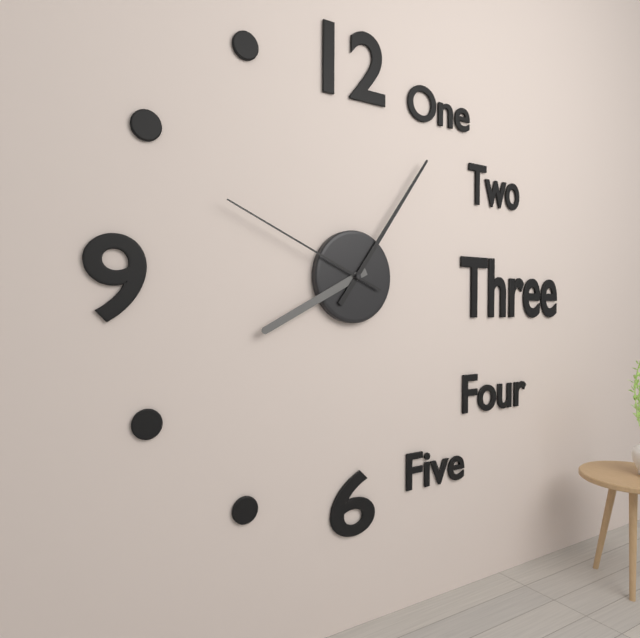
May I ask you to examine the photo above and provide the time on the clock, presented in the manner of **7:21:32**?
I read **8:06:49**
